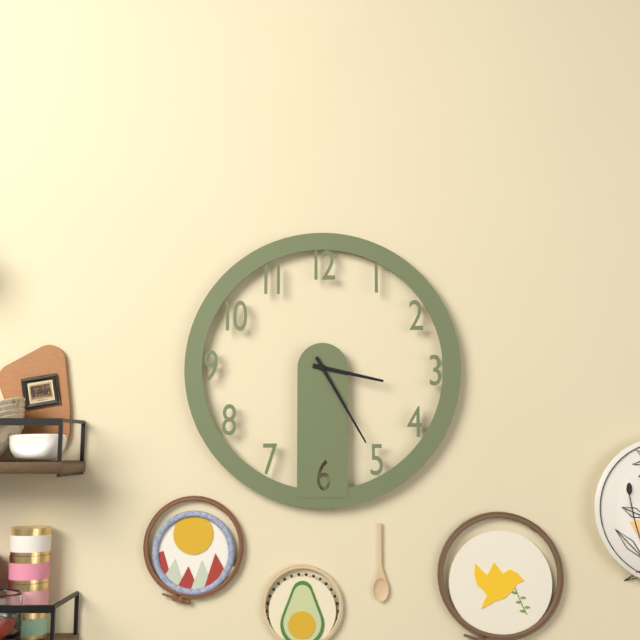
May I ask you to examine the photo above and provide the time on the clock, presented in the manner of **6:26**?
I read **3:25**
